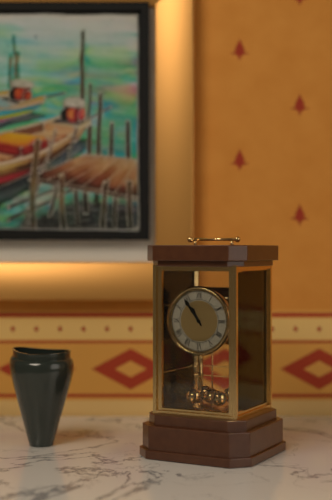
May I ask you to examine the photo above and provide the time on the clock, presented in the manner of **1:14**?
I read **10:54**
